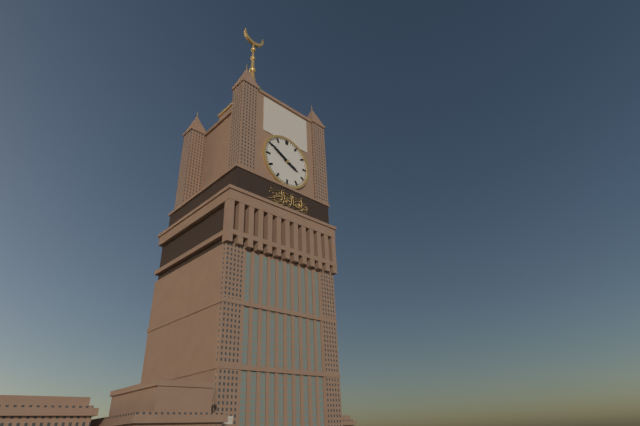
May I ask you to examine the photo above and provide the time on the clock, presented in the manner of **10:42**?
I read **3:50**
